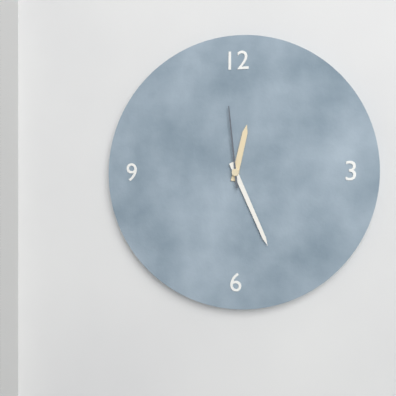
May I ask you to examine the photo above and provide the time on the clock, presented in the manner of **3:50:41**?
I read **12:26:59**
